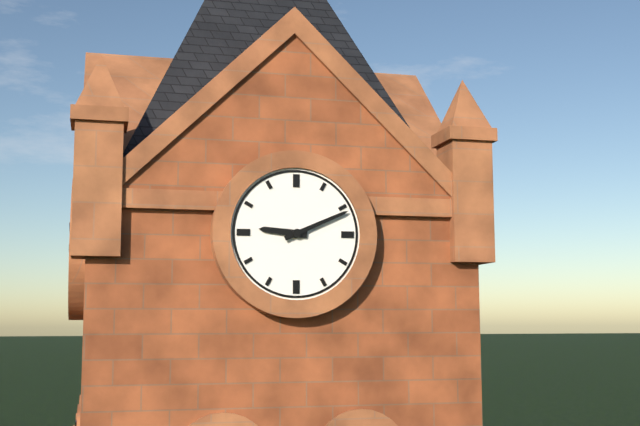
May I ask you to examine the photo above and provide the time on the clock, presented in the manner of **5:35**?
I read **9:11**
